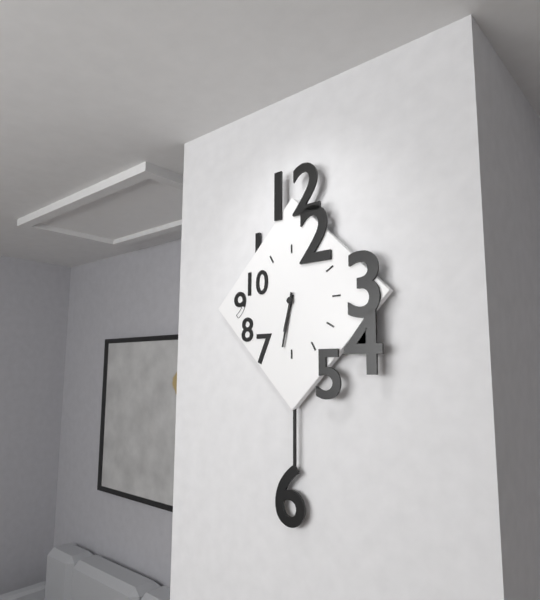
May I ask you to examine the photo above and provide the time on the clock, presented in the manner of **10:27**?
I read **6:32**
